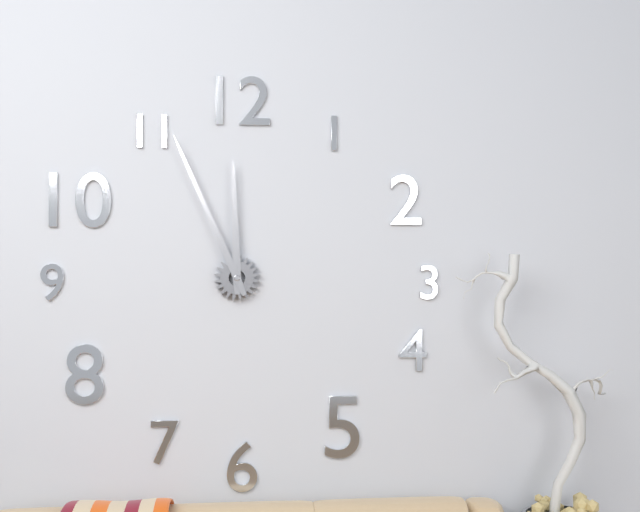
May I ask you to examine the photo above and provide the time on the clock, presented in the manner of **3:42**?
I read **11:56**
